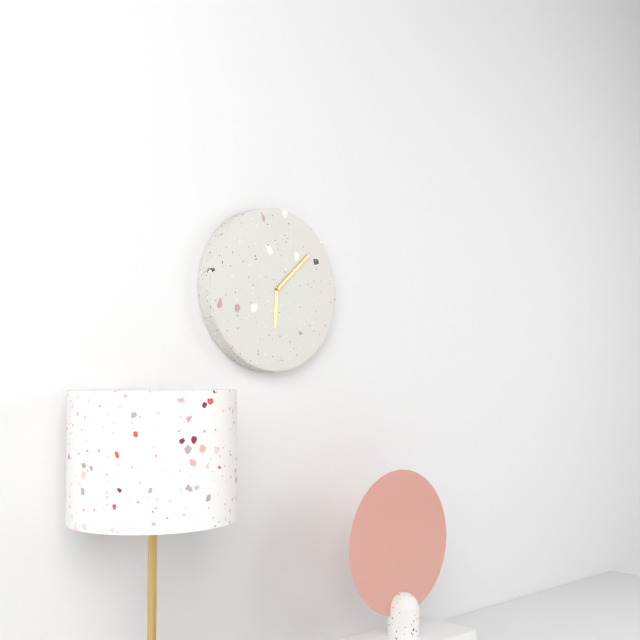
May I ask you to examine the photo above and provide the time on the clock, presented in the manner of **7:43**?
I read **6:08**
